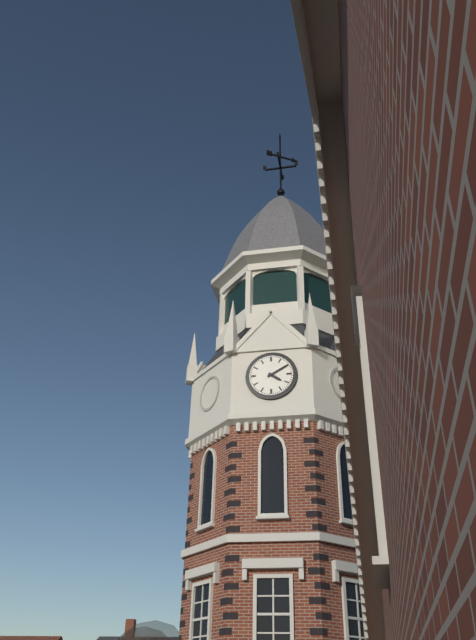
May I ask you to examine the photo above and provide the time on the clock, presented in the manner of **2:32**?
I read **4:10**
